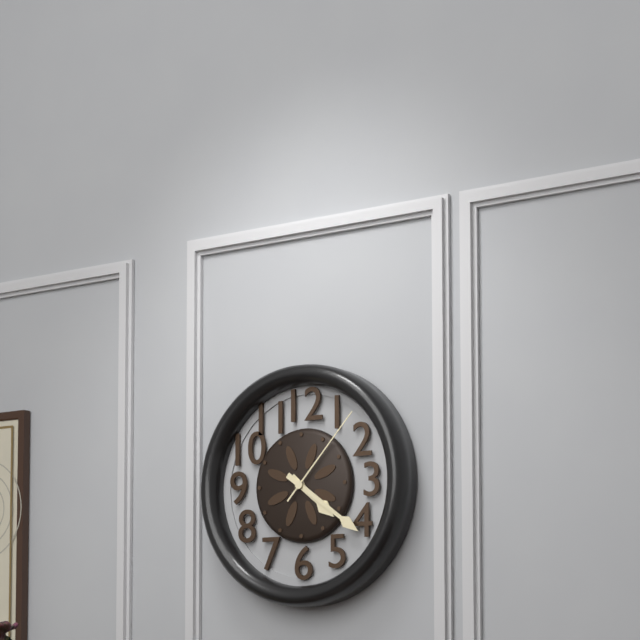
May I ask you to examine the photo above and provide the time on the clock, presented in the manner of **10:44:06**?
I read **4:21:07**
